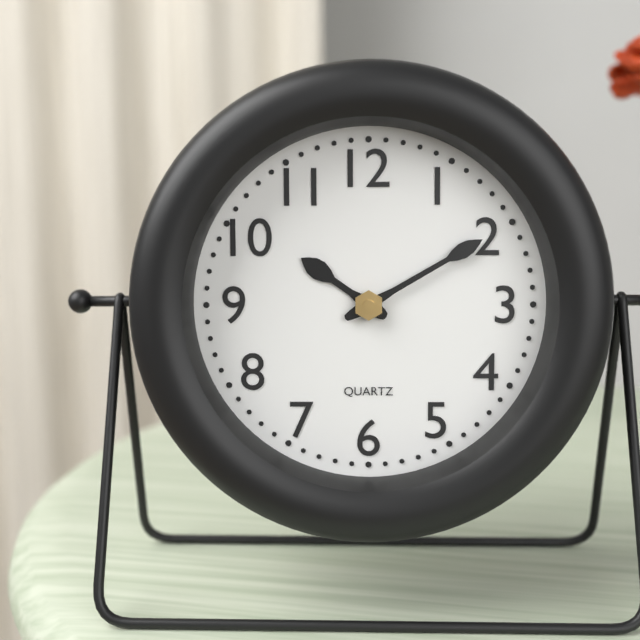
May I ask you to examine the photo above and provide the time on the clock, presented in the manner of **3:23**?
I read **10:10**
